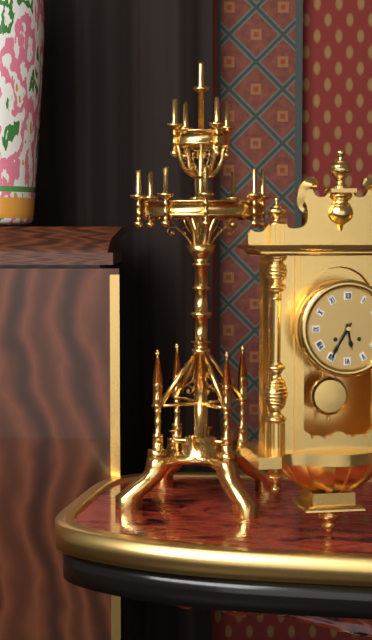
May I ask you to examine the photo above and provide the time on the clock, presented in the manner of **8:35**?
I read **5:35**
